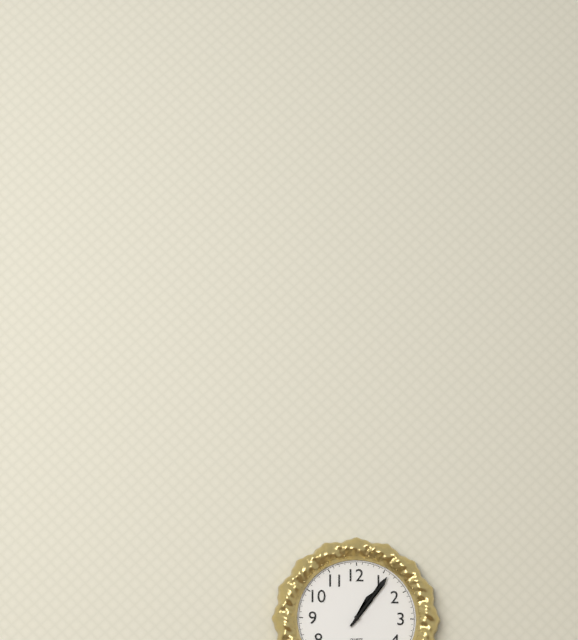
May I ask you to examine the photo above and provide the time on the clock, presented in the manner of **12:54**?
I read **1:06**
